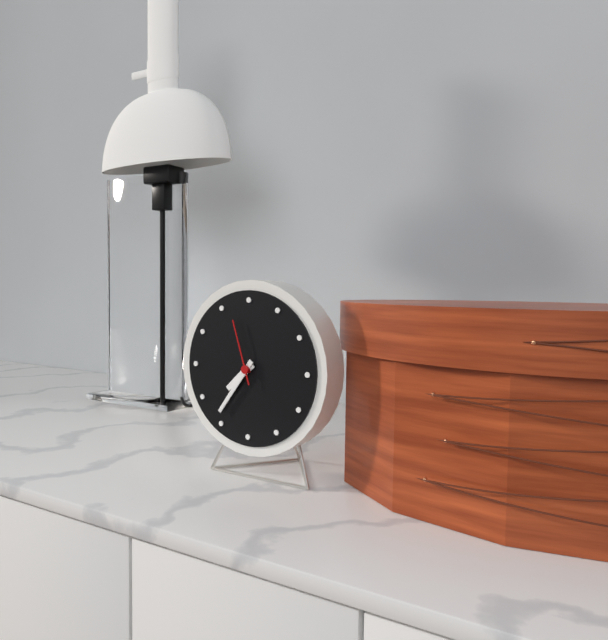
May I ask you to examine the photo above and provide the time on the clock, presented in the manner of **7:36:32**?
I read **7:36:57**
